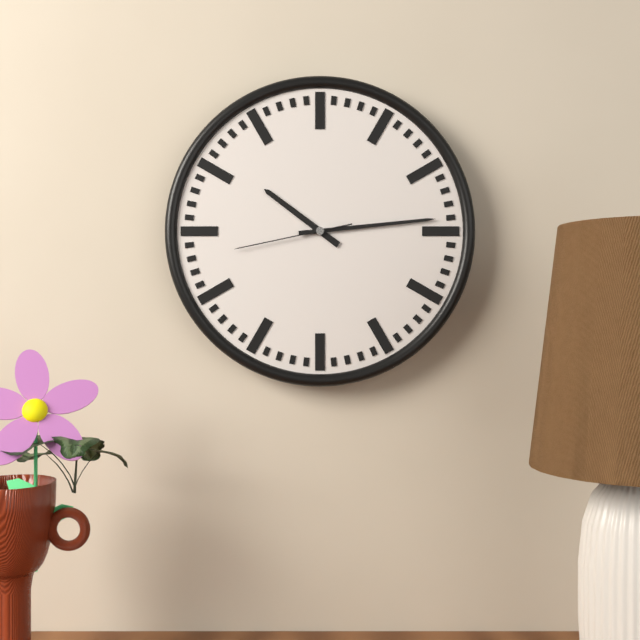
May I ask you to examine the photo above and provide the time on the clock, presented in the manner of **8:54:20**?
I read **10:14:43**
